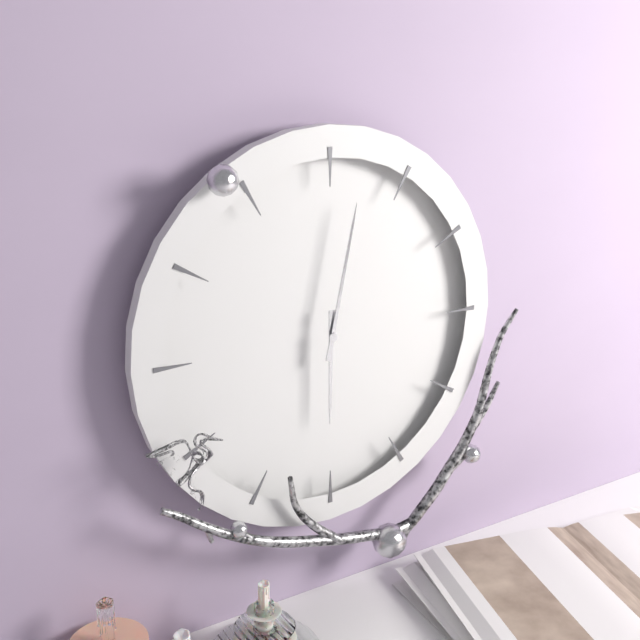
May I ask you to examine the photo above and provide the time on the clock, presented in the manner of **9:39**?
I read **6:02**
